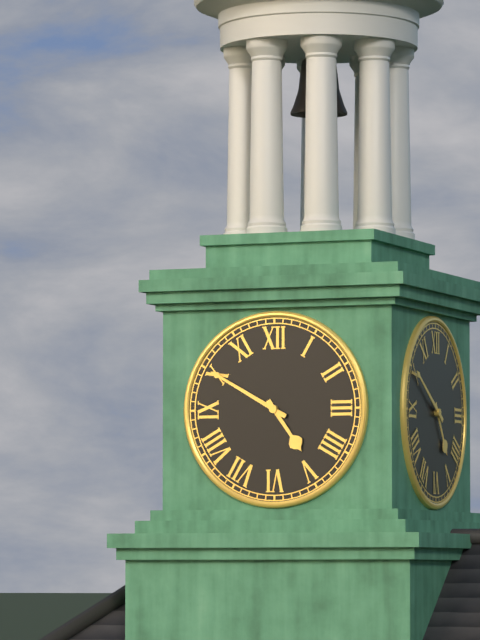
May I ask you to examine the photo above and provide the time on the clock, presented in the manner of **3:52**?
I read **4:50**
